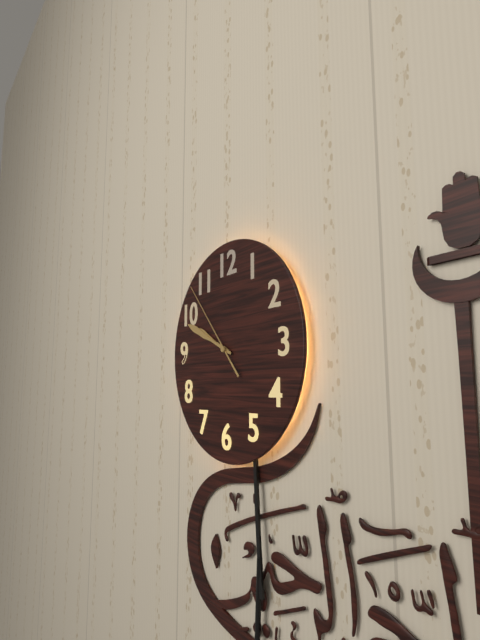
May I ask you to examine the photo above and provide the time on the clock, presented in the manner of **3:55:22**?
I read **9:49:53**
